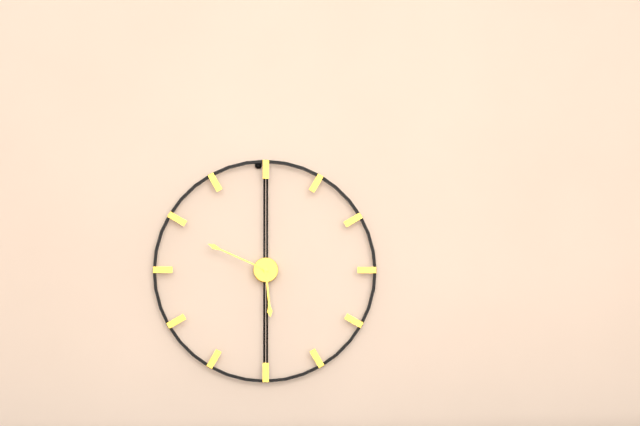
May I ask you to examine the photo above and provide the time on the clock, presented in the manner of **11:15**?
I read **5:49**
